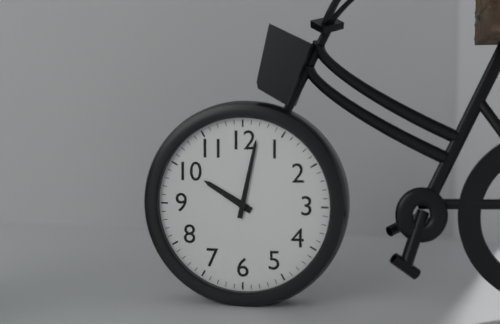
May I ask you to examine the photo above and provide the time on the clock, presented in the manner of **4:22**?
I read **10:02**
